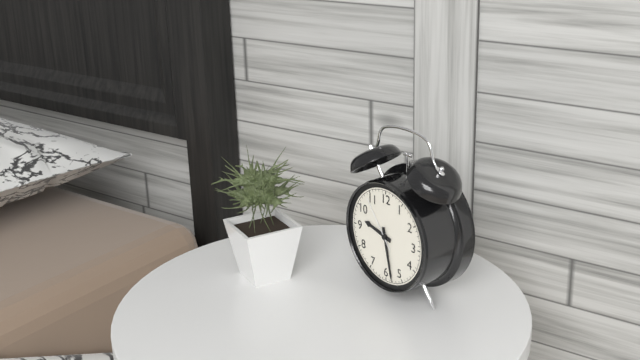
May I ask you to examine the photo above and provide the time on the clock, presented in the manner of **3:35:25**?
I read **9:28:54**
